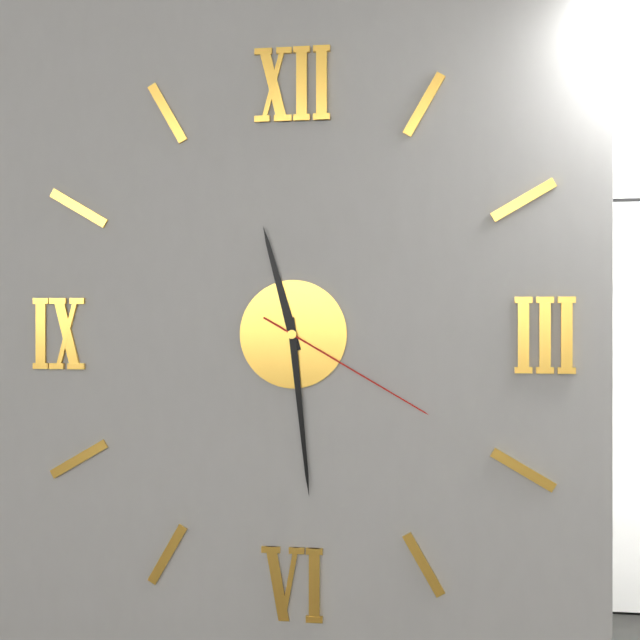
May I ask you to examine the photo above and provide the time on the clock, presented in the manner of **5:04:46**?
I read **11:29:20**
